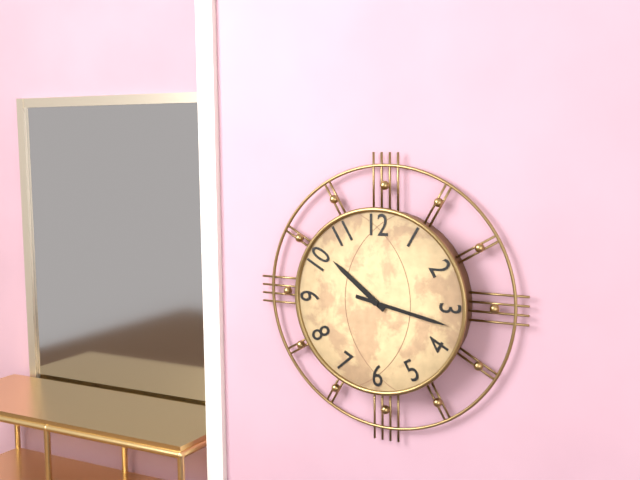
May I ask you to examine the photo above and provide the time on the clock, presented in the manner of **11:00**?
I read **10:17**
